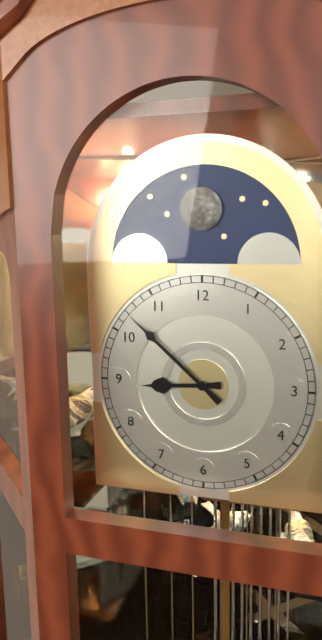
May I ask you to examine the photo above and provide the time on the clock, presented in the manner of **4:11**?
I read **8:52**
